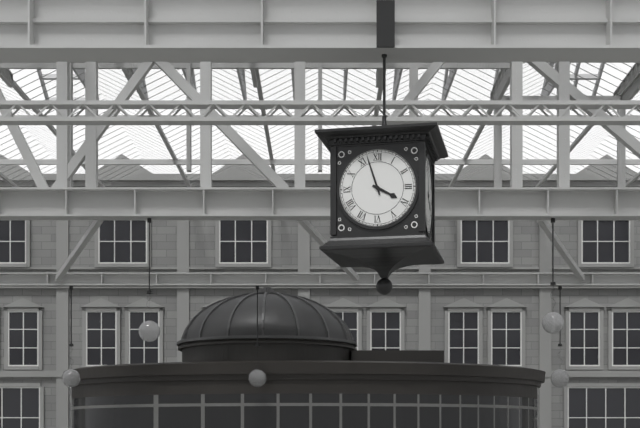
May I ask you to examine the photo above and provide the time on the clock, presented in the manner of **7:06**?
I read **3:57**
